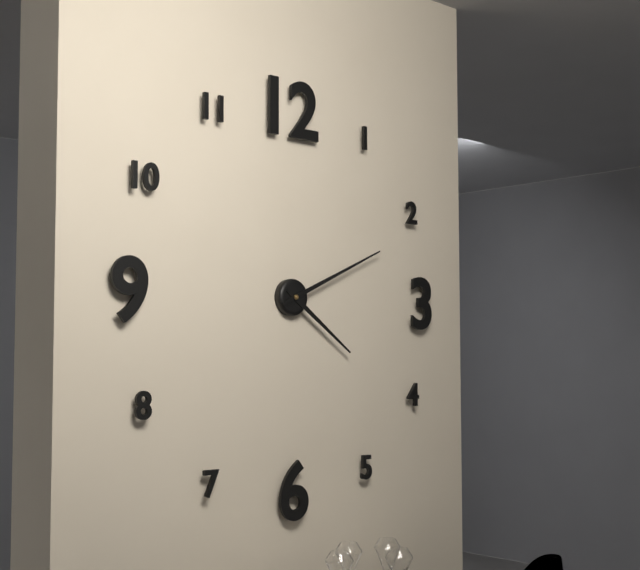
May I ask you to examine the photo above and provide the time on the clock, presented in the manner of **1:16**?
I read **4:11**
